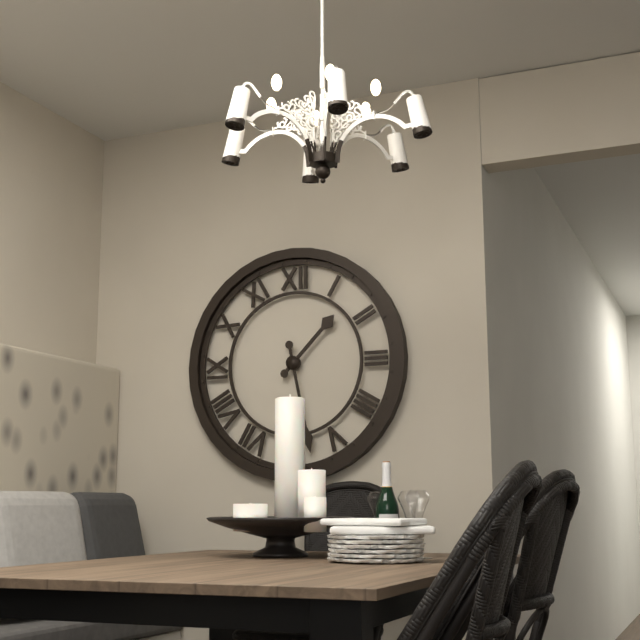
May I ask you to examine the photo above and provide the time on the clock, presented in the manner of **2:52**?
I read **1:28**
